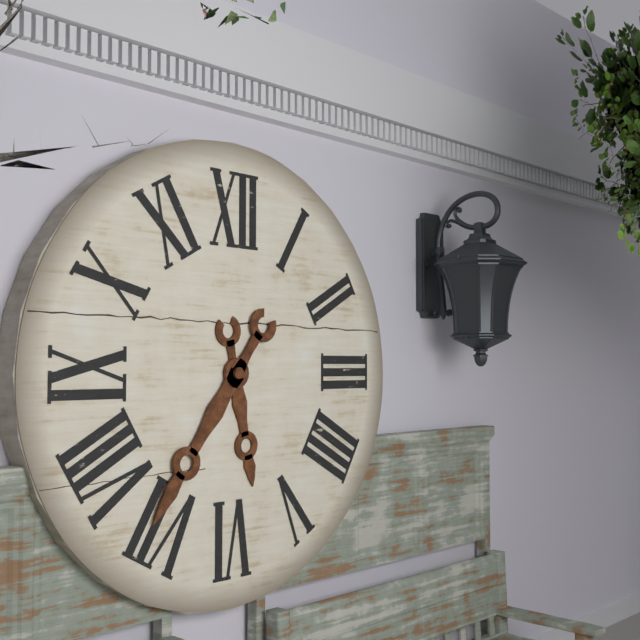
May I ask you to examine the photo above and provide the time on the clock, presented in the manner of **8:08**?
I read **5:36**
